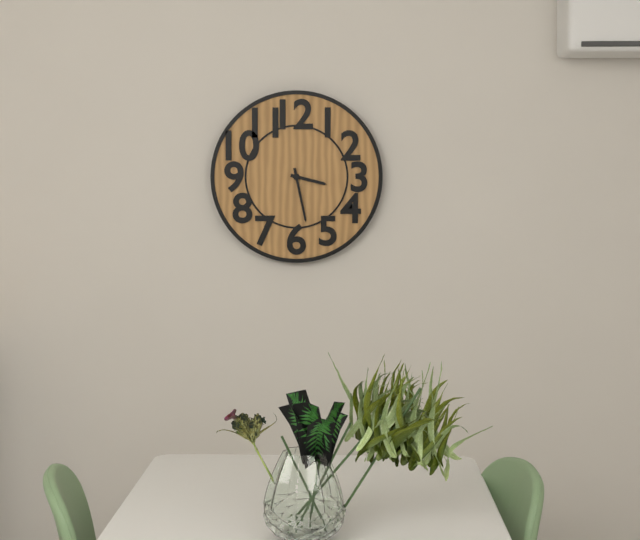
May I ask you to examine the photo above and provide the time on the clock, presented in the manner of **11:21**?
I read **3:28**
